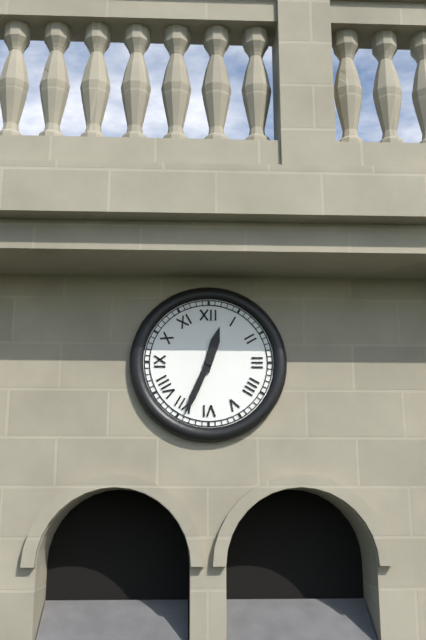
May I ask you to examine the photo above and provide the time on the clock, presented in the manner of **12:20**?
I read **12:34**
